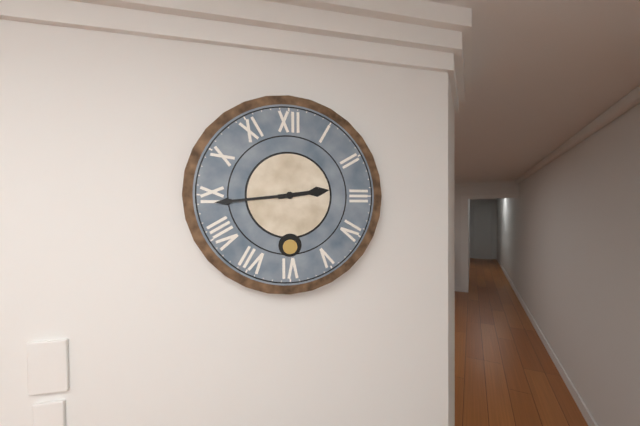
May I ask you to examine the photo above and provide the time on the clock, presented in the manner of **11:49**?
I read **2:44**
